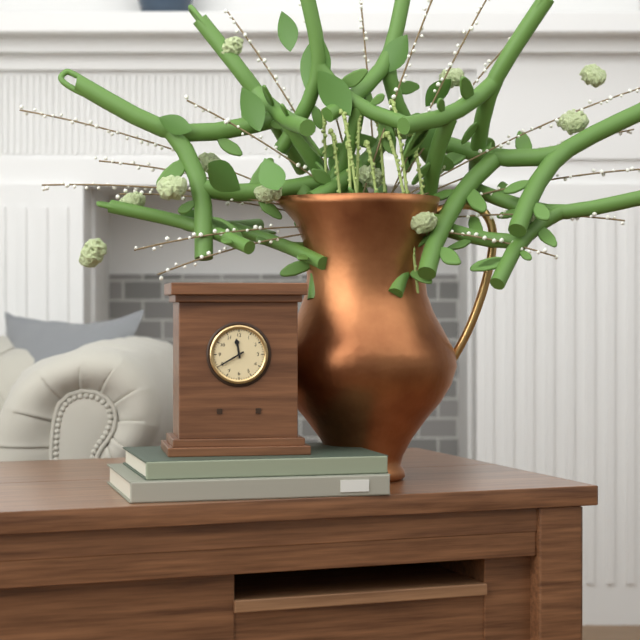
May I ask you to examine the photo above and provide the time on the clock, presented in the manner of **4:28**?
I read **11:40**
